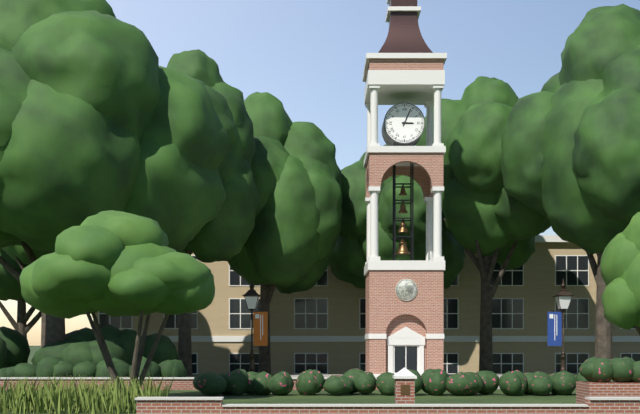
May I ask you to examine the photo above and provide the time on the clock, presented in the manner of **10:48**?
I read **3:04**
